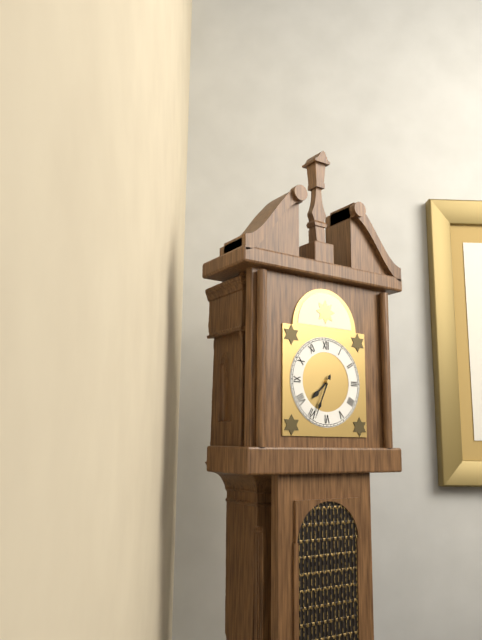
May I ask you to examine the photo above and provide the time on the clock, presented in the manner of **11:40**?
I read **7:34**
